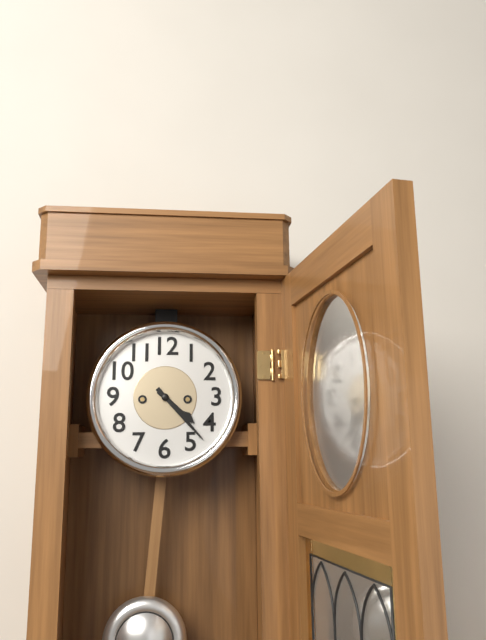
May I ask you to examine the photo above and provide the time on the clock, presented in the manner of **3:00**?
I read **4:23**
